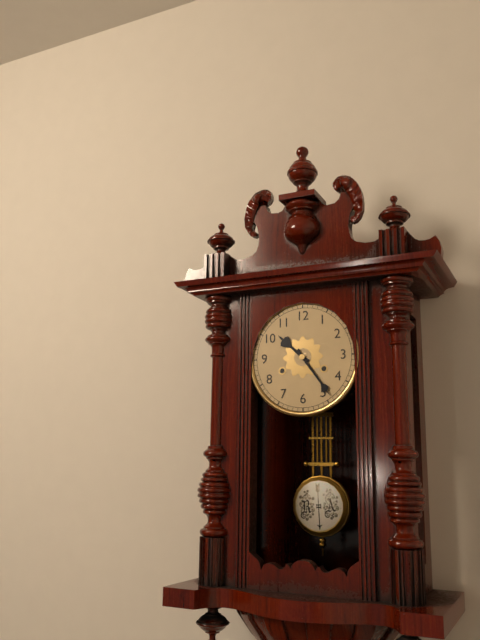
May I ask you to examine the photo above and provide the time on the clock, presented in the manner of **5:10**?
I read **10:24**
